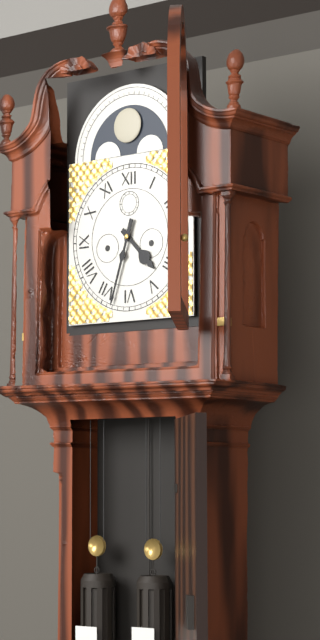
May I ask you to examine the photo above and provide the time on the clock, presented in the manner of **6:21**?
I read **4:33**
